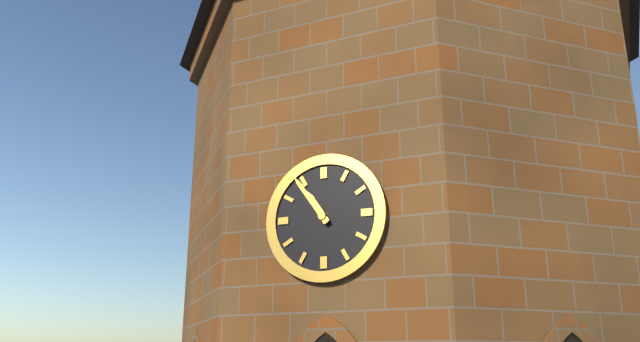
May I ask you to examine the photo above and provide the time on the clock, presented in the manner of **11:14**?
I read **10:54**
